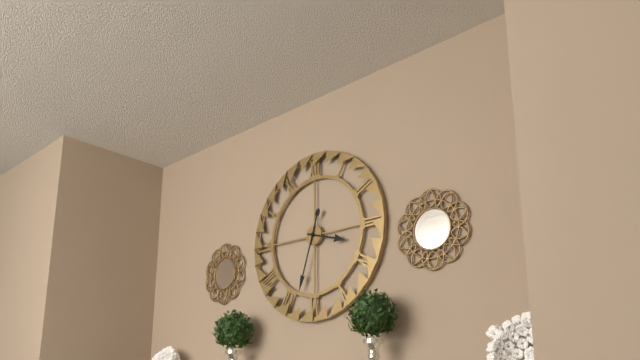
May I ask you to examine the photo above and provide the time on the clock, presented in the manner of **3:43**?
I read **3:33**
